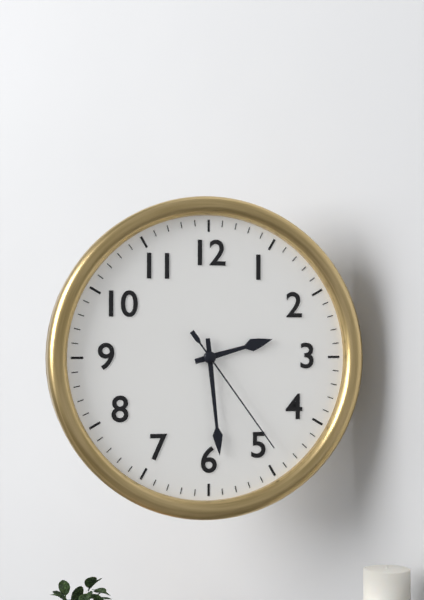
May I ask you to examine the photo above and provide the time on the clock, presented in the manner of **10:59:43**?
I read **2:29:24**
